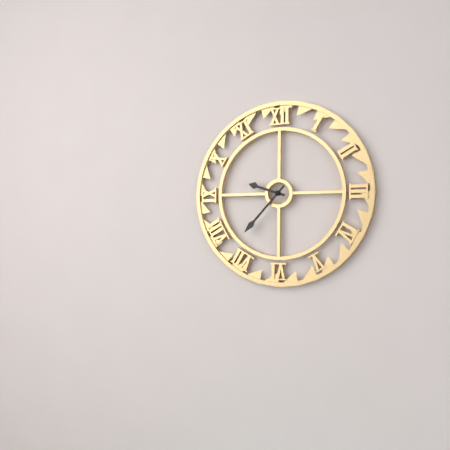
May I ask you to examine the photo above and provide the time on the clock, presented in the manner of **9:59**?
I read **9:37**
